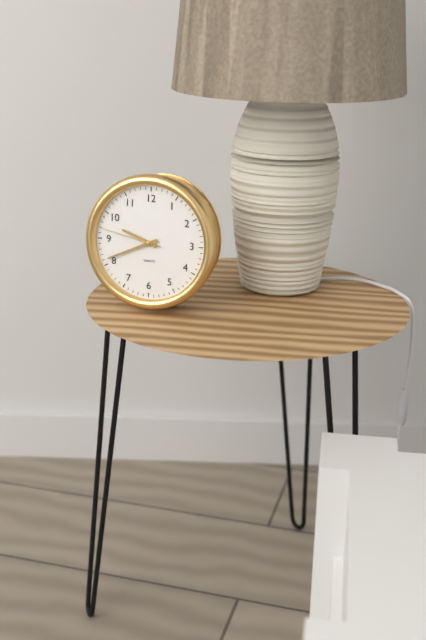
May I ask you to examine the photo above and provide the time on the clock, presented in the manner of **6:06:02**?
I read **9:41:47**
